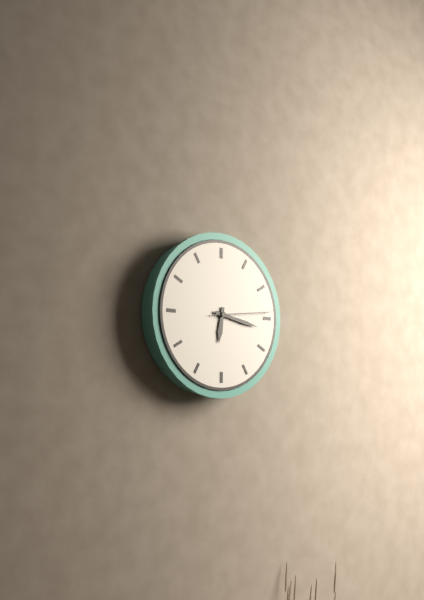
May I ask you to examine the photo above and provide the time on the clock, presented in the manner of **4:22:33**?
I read **6:17:14**
